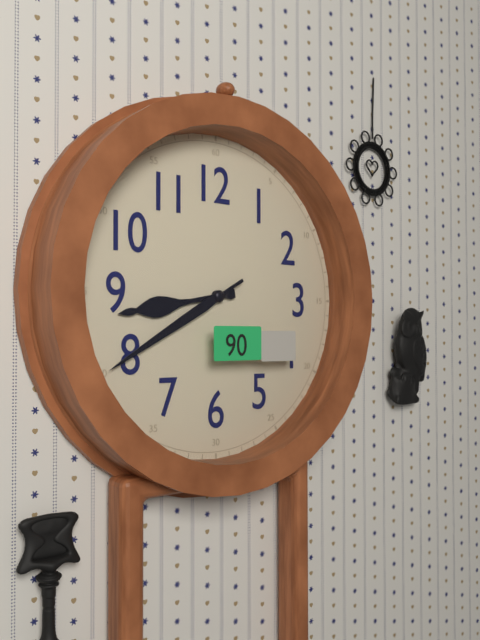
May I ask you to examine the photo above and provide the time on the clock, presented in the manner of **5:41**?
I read **8:40**
